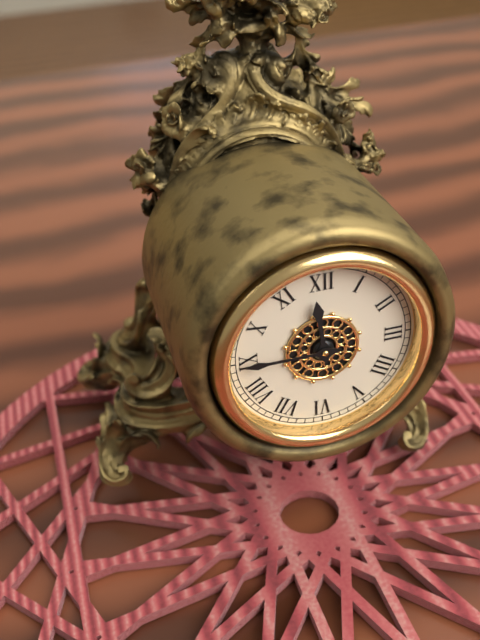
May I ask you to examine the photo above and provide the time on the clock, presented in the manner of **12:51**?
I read **11:45**
